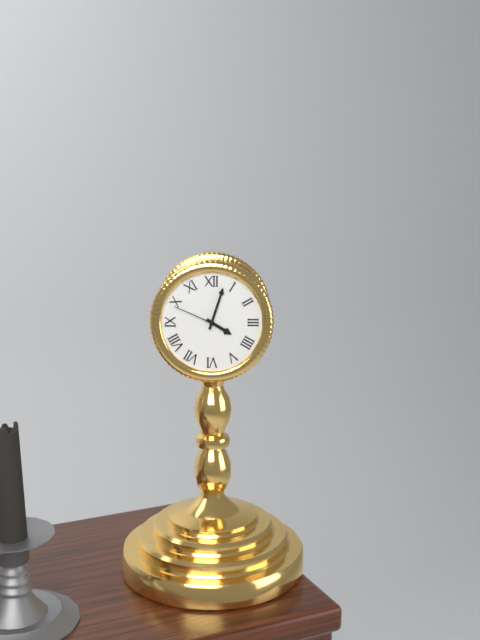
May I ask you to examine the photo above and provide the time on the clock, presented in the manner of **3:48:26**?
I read **4:03:49**
